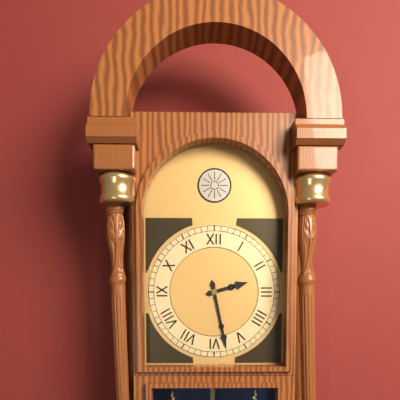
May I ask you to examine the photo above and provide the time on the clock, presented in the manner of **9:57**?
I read **2:28**
